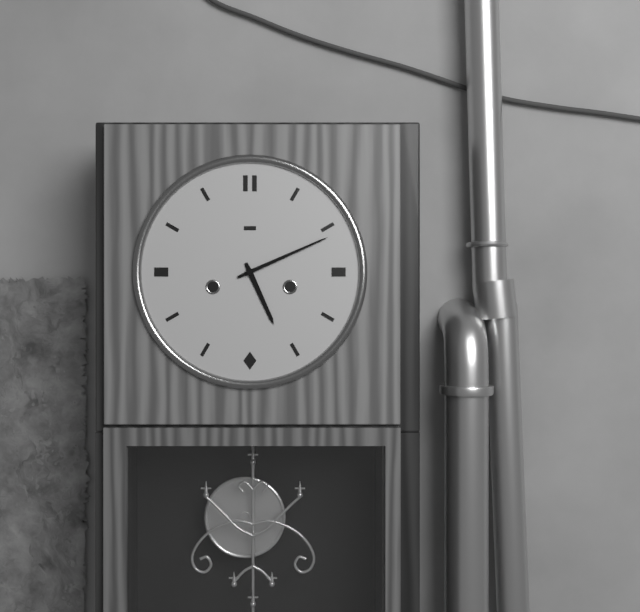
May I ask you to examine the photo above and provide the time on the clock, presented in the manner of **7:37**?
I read **5:11**
